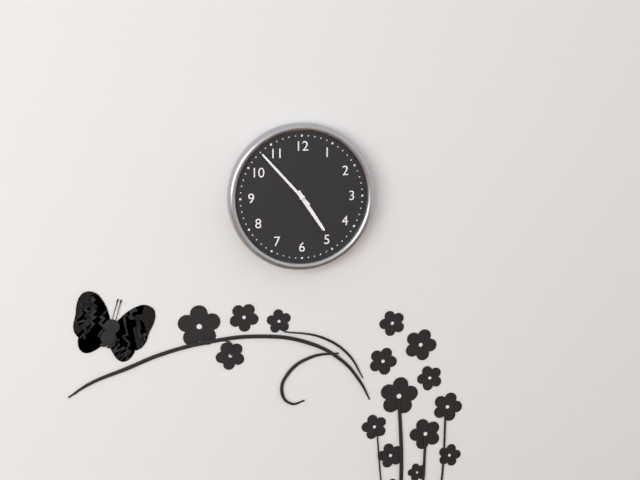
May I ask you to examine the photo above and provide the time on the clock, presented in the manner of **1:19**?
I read **4:53**
